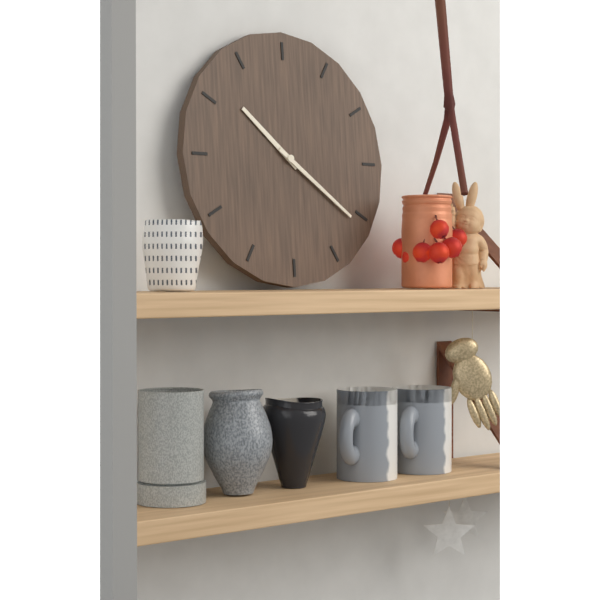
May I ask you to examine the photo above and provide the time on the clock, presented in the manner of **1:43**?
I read **10:21**
